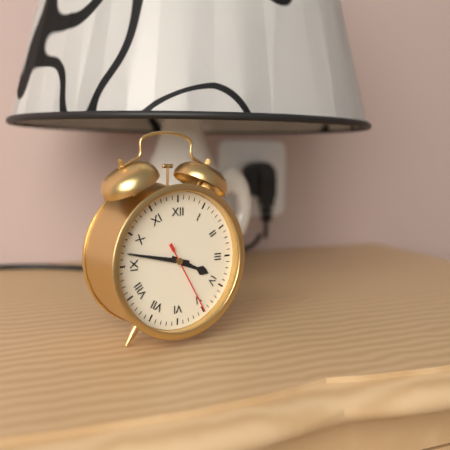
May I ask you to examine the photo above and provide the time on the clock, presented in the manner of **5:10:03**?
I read **3:47:25**
